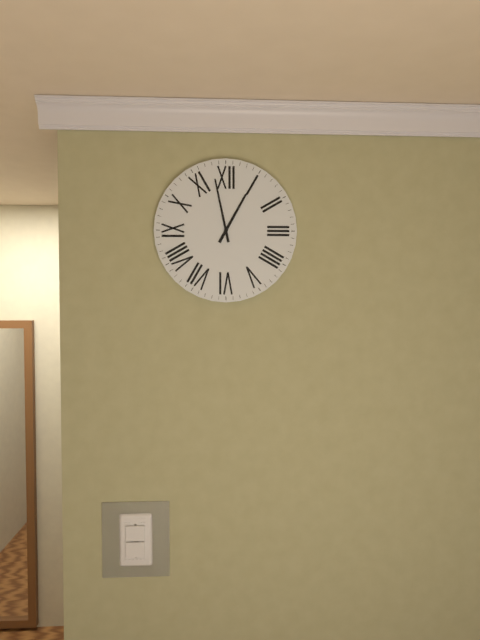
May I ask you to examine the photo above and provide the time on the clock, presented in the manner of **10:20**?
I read **12:58**
